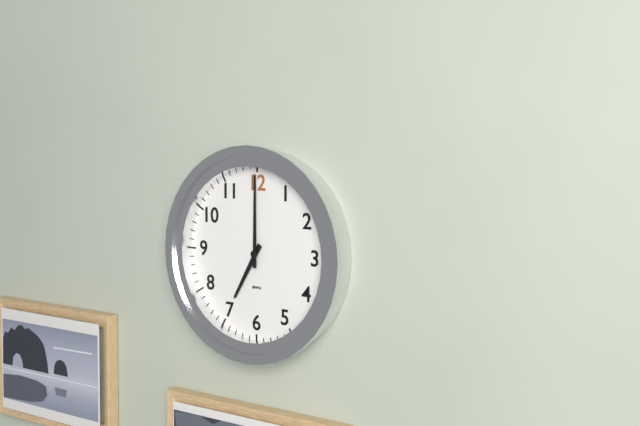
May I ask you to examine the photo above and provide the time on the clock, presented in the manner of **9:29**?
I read **7:00**
